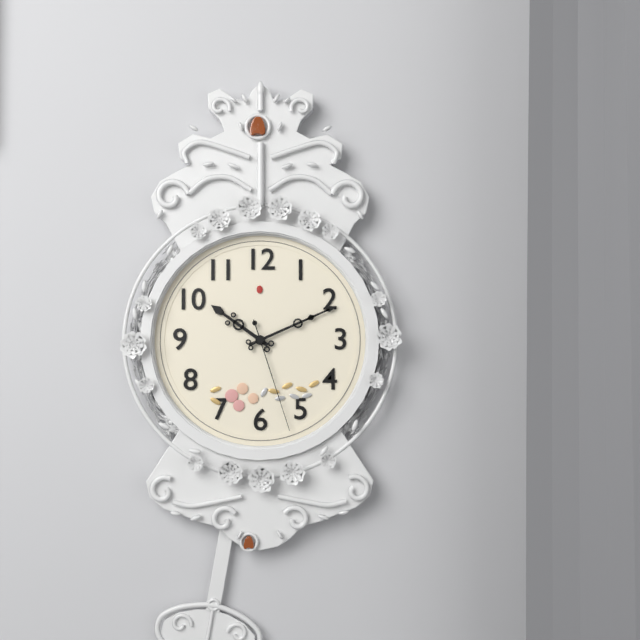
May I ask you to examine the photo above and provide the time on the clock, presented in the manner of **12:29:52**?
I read **10:11:27**
